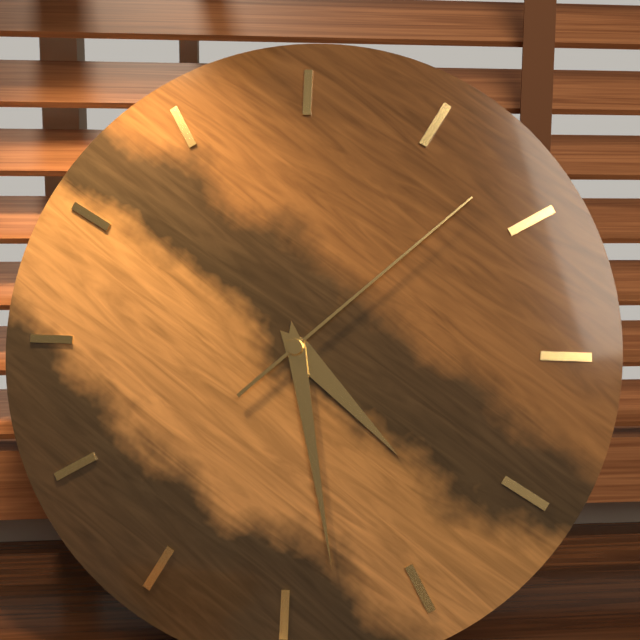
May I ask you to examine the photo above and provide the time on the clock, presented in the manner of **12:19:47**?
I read **4:28:08**
